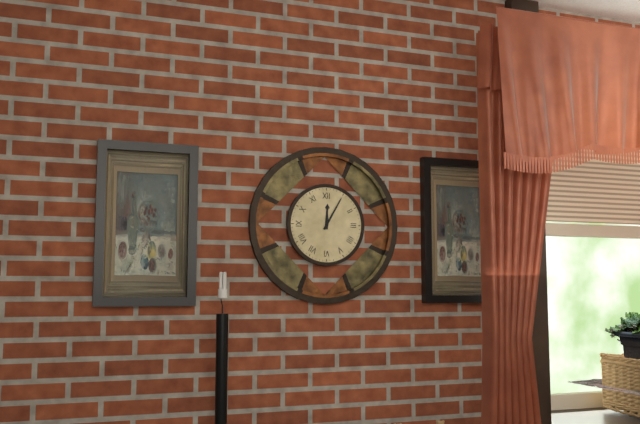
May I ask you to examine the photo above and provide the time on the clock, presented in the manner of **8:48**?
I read **12:05**
